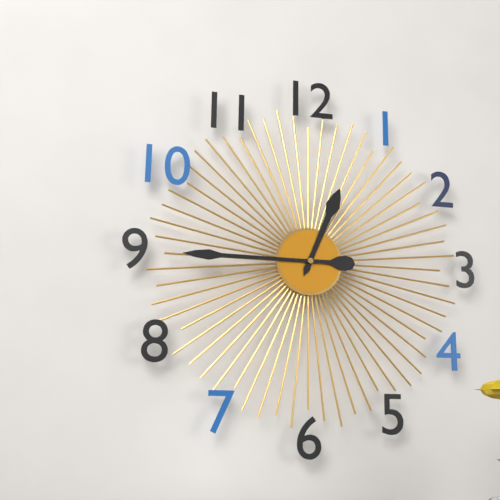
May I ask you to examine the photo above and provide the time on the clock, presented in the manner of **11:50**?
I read **12:45**
